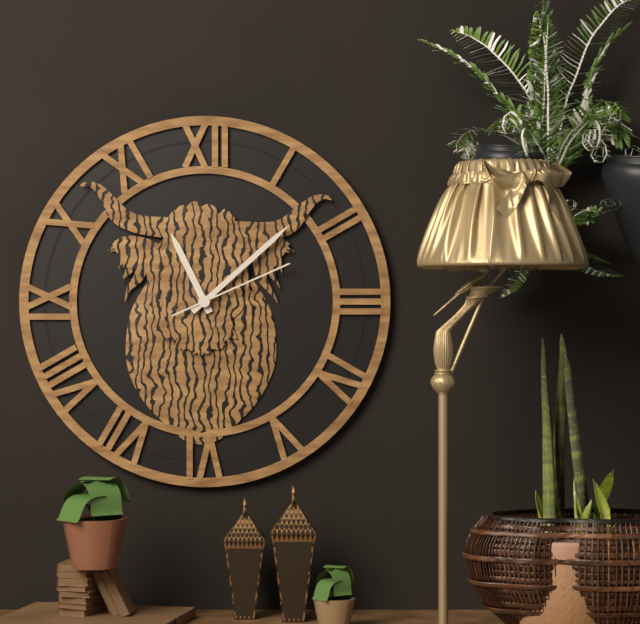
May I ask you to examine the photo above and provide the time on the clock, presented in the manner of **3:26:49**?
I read **11:08:11**
